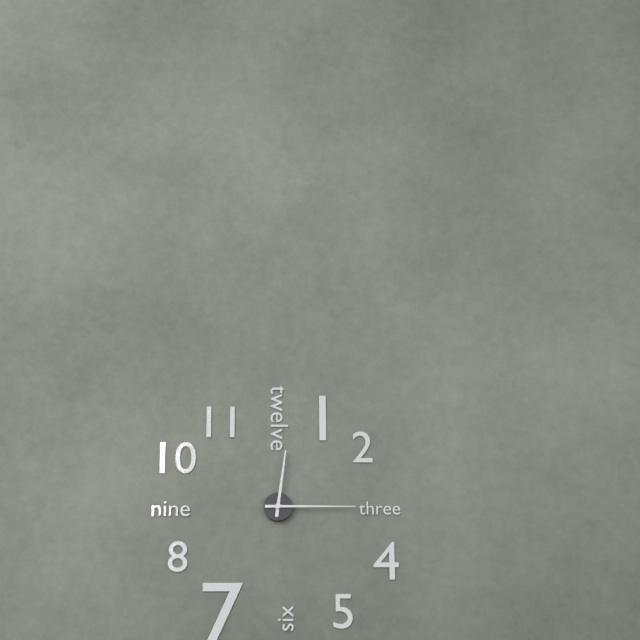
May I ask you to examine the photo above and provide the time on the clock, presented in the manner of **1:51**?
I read **12:15**
